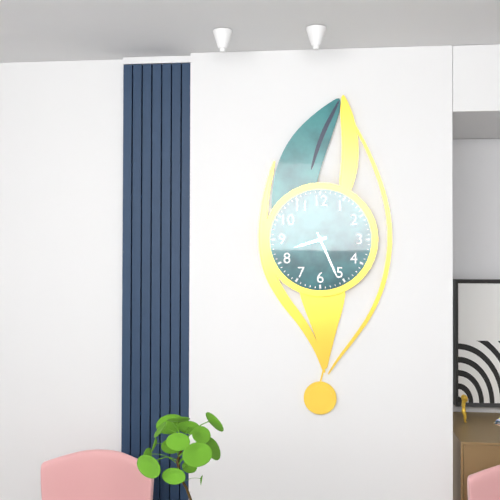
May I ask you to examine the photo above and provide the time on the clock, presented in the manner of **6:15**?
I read **8:26**
